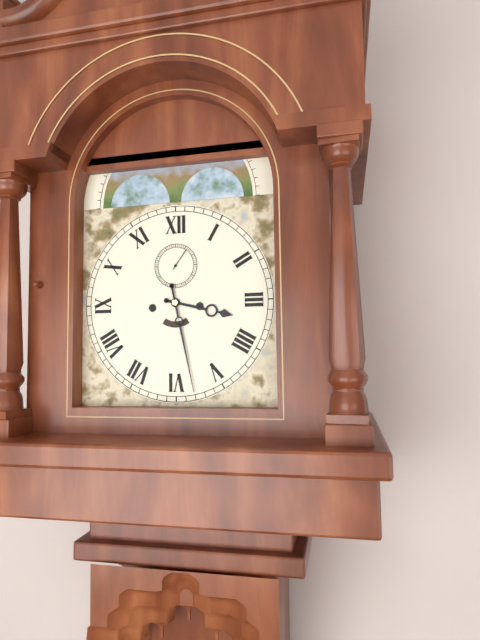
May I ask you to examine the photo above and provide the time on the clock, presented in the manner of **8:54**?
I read **3:28**
